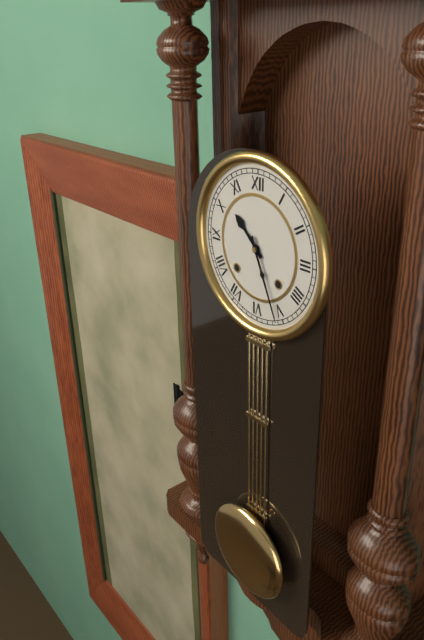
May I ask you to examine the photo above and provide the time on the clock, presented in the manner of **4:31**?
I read **10:26**
